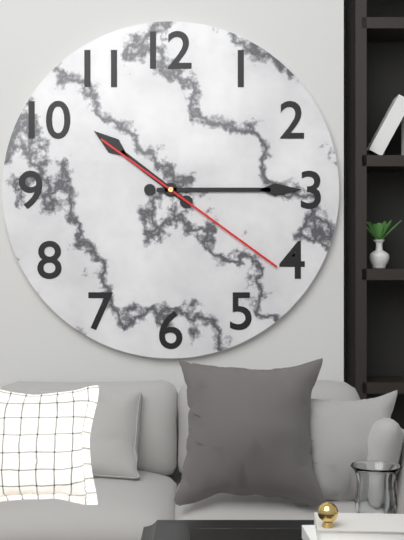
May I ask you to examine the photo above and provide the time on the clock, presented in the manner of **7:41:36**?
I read **10:15:21**
